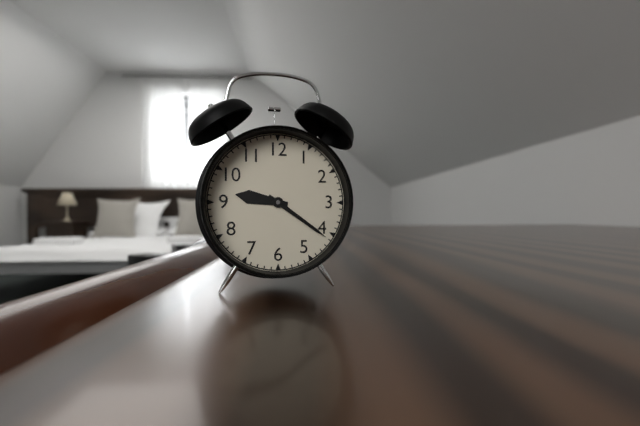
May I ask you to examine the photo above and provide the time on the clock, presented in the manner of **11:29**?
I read **9:21**
